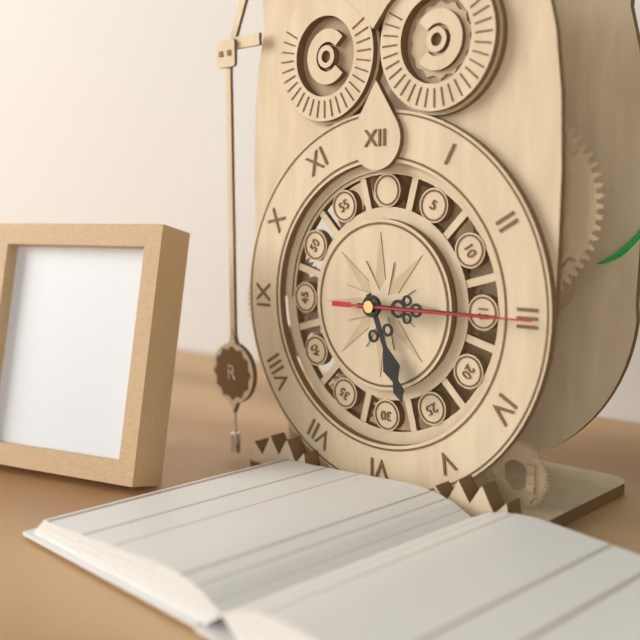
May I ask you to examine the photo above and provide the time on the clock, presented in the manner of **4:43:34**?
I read **5:15:15**
